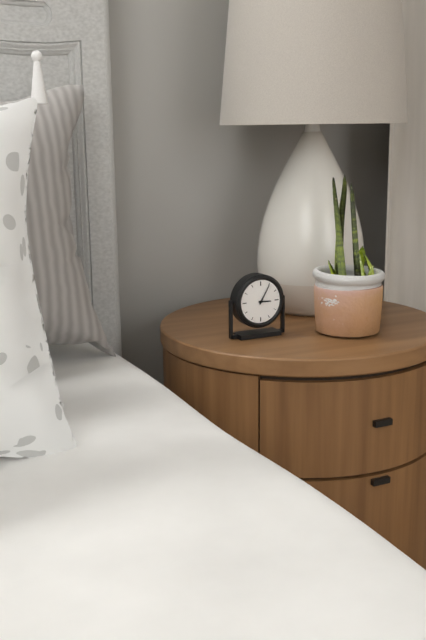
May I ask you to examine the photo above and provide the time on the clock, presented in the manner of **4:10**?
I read **3:05**
